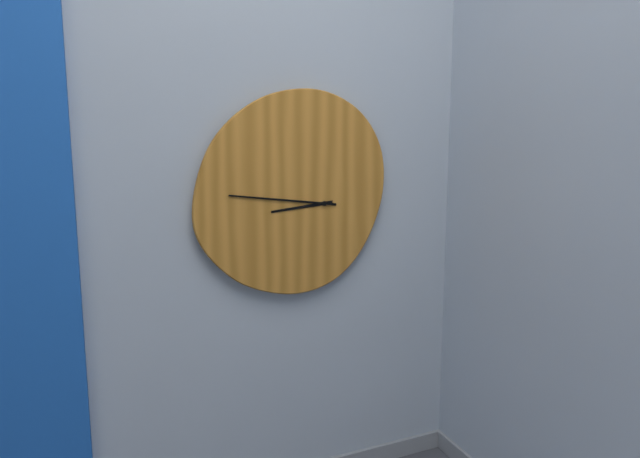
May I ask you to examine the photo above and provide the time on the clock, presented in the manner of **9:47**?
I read **8:46**
